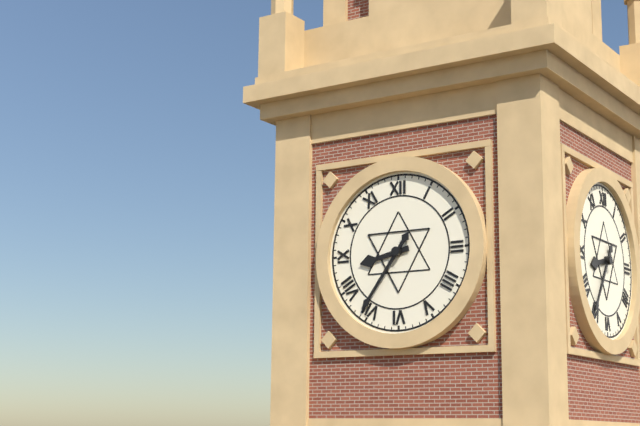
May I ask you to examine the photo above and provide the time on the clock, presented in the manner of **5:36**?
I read **8:36**
